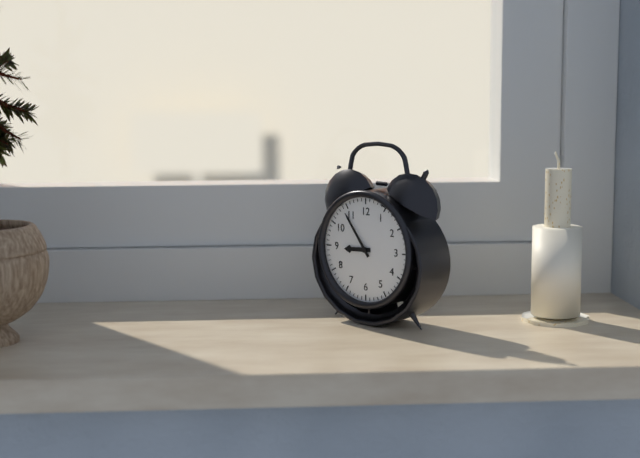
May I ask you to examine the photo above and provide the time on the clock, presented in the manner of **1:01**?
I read **8:54**
